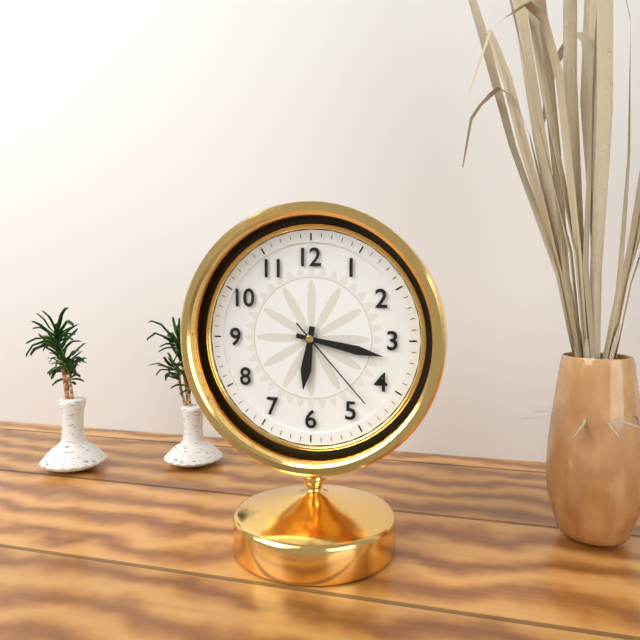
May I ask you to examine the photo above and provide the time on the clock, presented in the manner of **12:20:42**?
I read **6:17:23**
